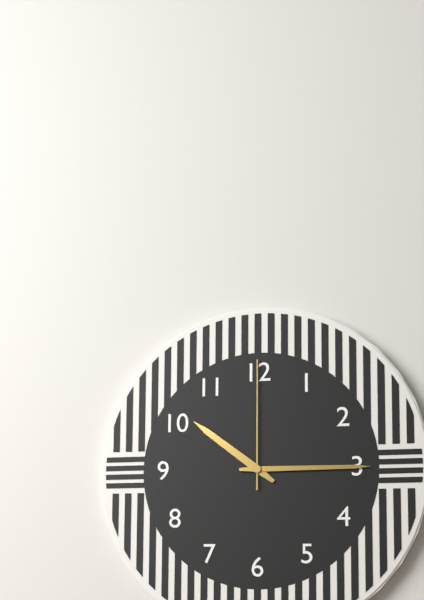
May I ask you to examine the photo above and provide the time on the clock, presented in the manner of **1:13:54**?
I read **10:15:00**
